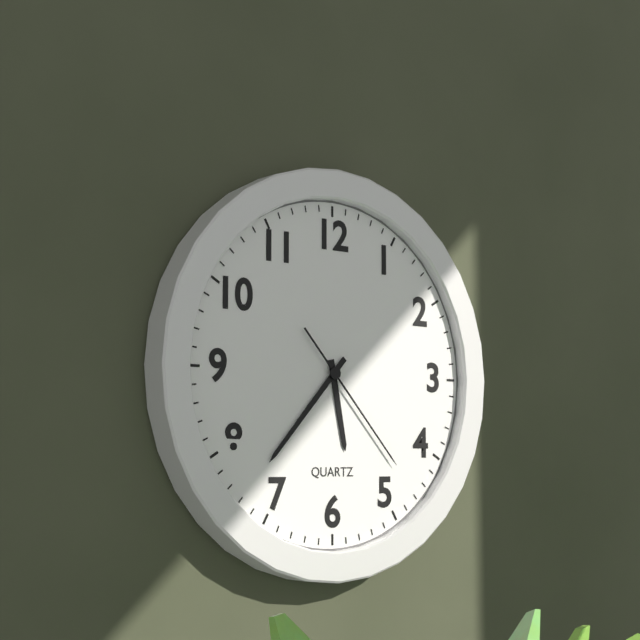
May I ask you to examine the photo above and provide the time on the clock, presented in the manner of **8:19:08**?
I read **5:37:23**
